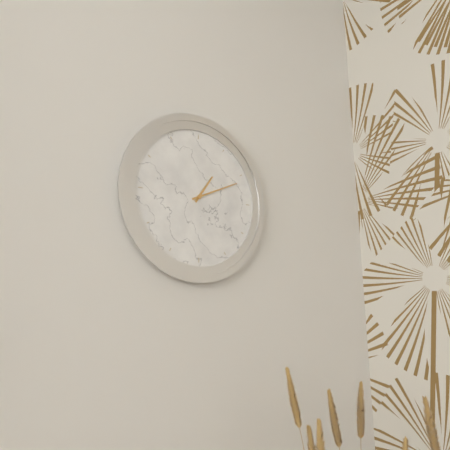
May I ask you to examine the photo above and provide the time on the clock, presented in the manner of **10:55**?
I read **1:11**
